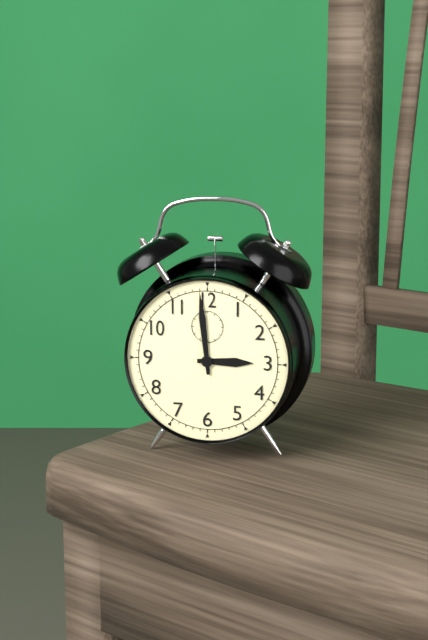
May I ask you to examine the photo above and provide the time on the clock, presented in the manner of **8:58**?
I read **2:59**
